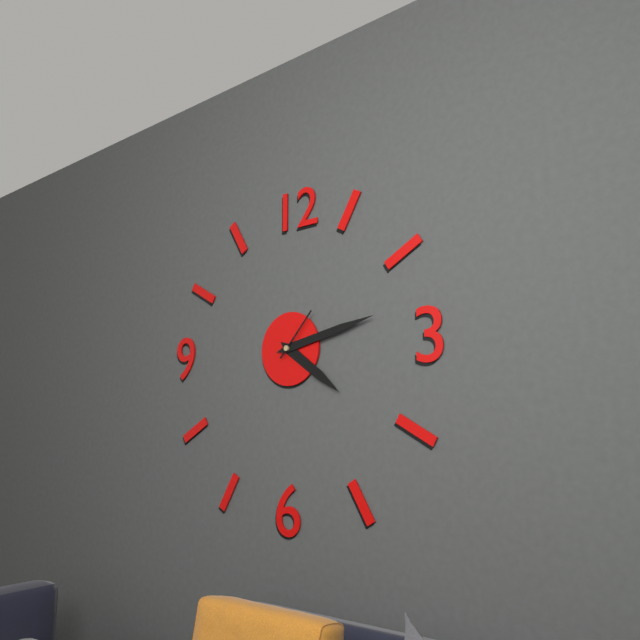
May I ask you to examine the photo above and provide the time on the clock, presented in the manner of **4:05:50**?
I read **4:13:07**
